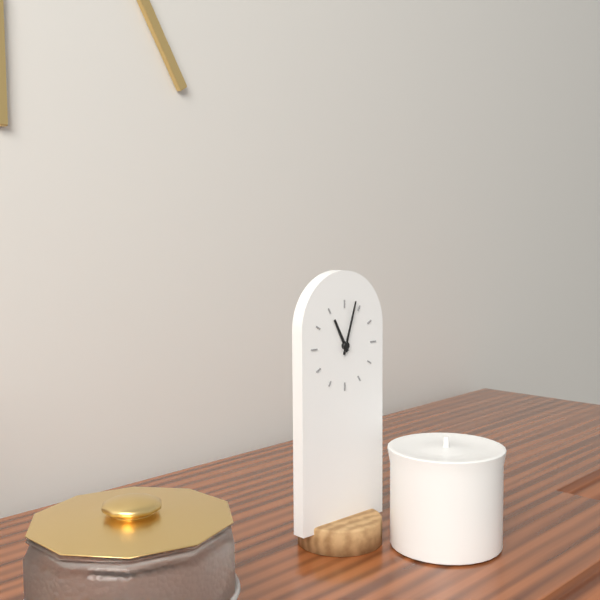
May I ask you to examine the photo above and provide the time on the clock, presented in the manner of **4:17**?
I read **11:03**
